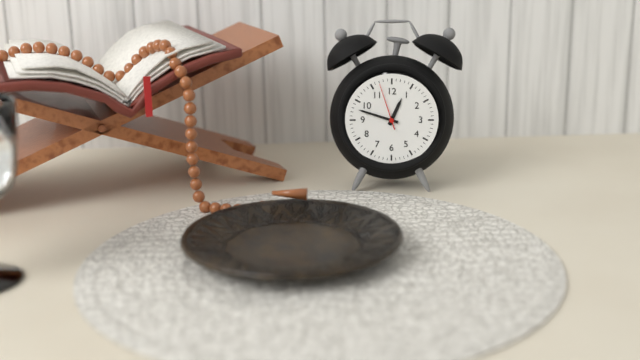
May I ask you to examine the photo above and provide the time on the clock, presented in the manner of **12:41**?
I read **12:48**
